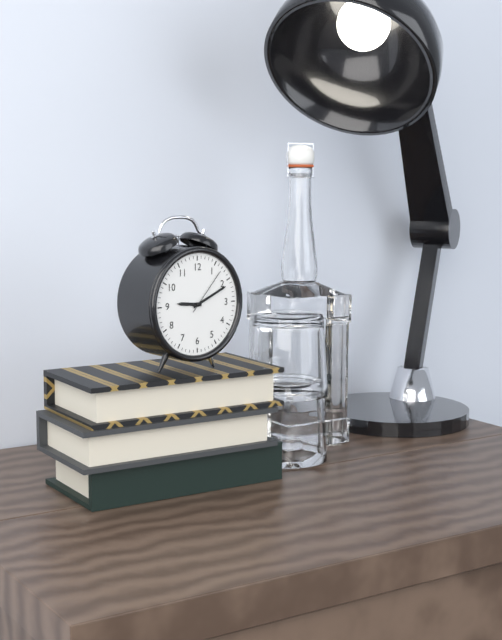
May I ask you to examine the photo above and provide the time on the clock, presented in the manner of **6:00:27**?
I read **9:11:07**
